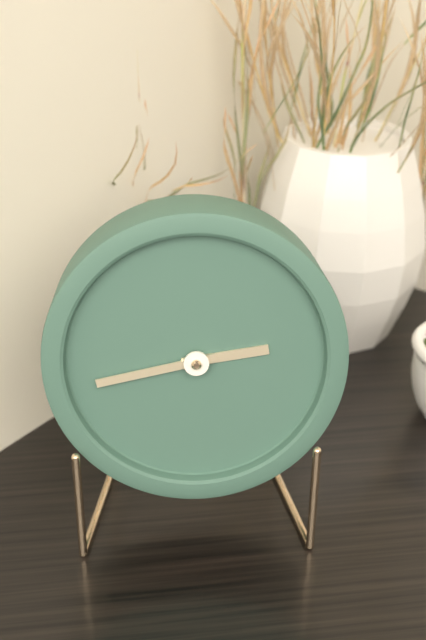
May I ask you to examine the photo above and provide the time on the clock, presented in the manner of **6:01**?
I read **2:43**
